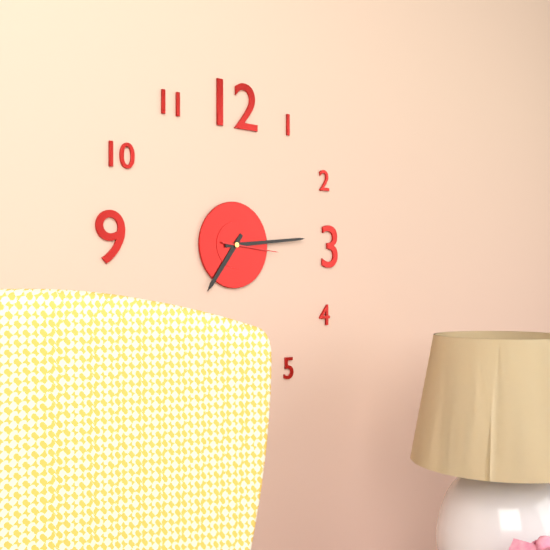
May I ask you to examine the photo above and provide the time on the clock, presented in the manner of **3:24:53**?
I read **7:14:16**
